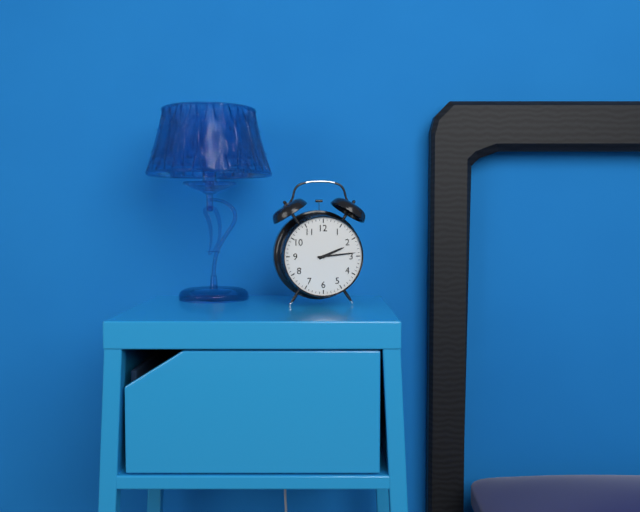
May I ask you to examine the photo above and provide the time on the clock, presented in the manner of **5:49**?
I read **2:14**
